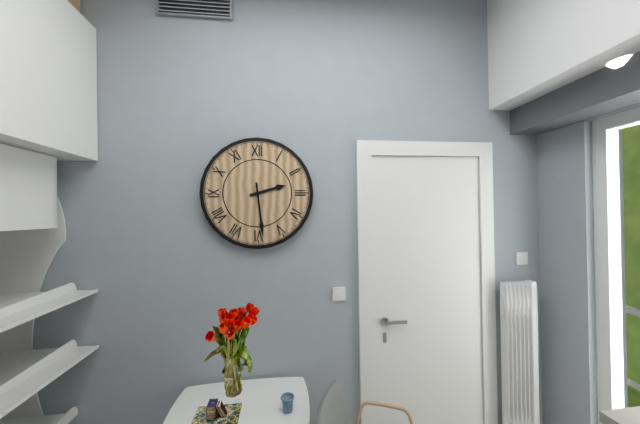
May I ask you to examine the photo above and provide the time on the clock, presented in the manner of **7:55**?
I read **2:29**
